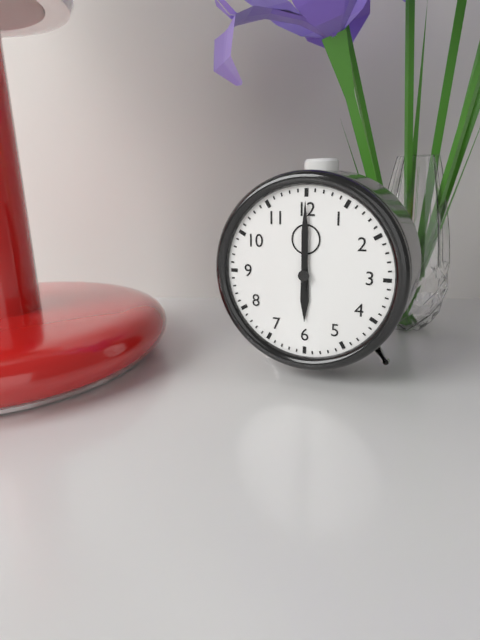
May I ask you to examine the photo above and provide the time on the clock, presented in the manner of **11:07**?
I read **6:00**
